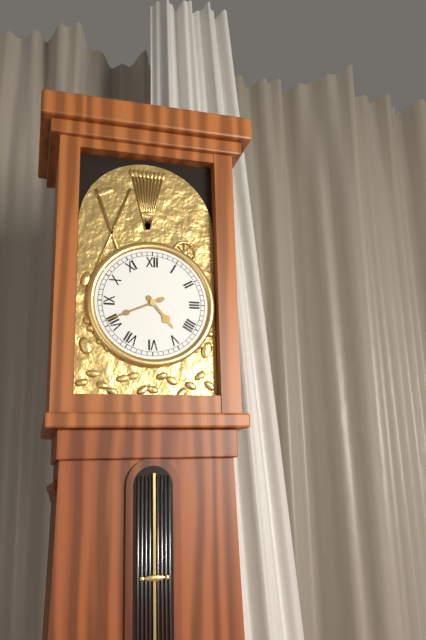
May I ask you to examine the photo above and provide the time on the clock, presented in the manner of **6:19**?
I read **4:41**
